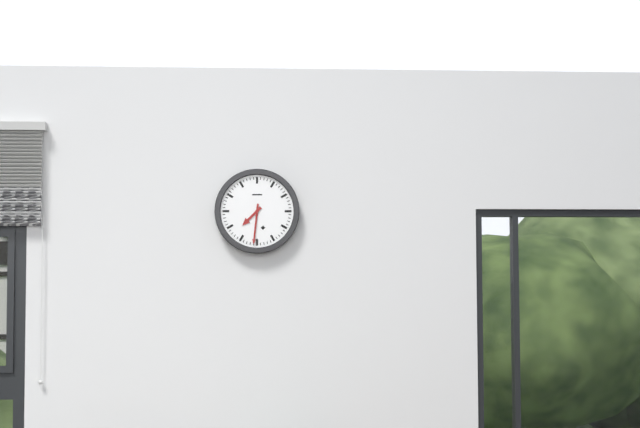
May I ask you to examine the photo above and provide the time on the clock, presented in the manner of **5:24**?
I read **7:31**
